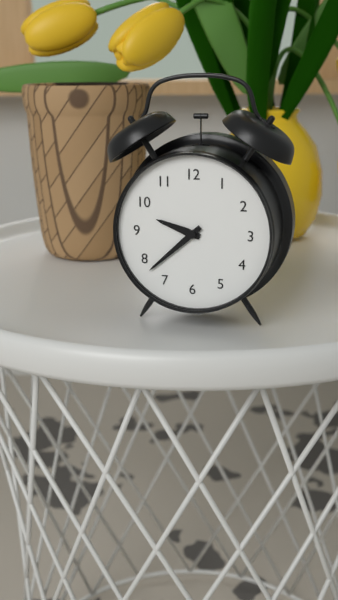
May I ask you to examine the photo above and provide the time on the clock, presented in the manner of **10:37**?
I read **9:38**
